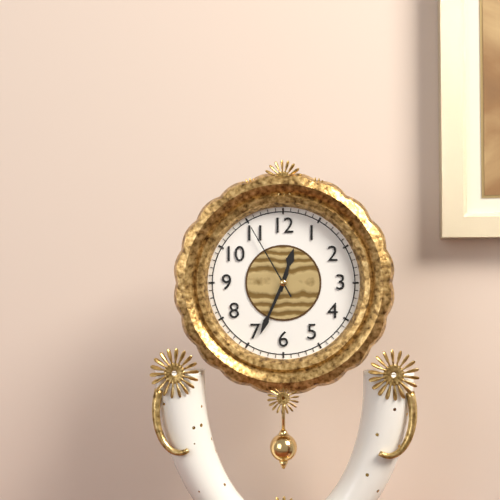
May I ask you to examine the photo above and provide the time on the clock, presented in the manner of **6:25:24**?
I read **12:34:55**
